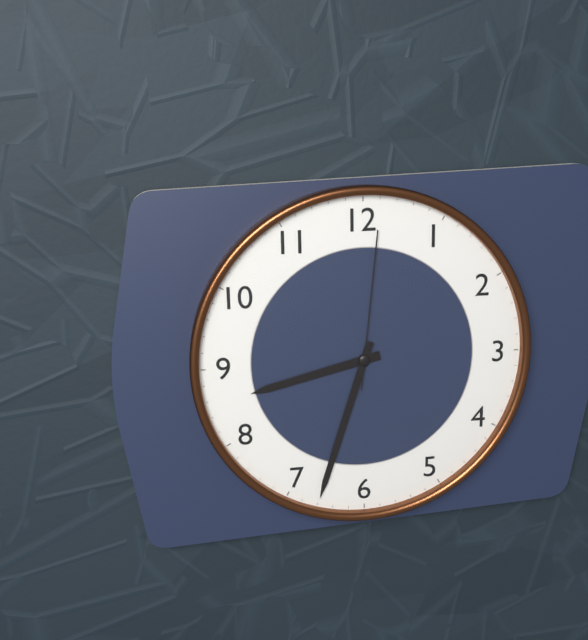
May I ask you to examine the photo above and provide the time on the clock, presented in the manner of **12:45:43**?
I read **8:33:01**
